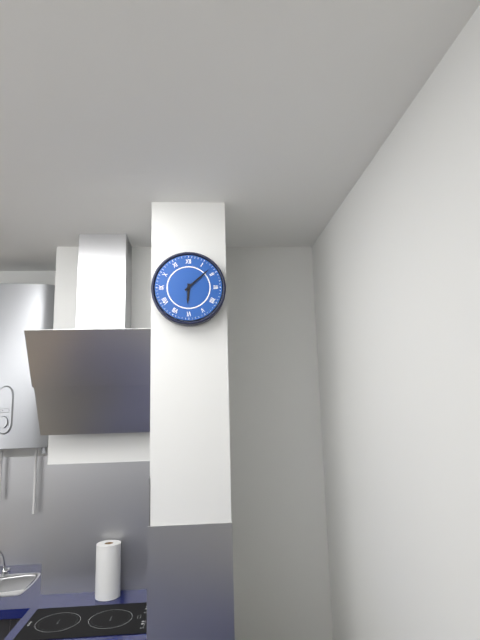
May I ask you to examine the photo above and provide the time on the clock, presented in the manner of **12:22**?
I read **6:08**
